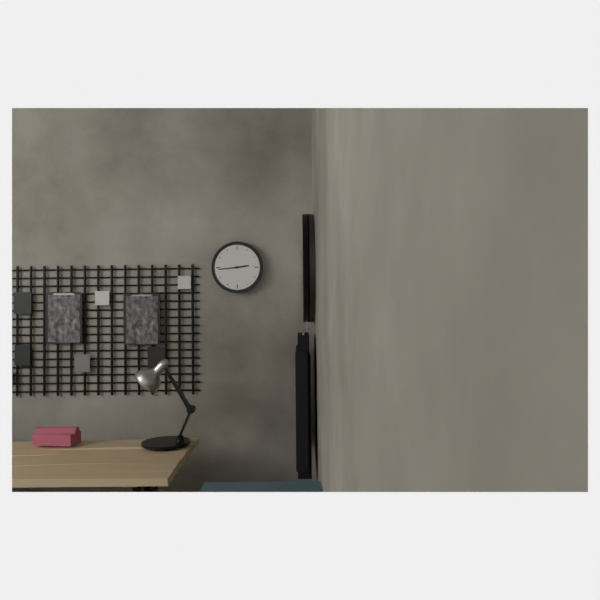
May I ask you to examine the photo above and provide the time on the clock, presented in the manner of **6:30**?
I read **2:44**
